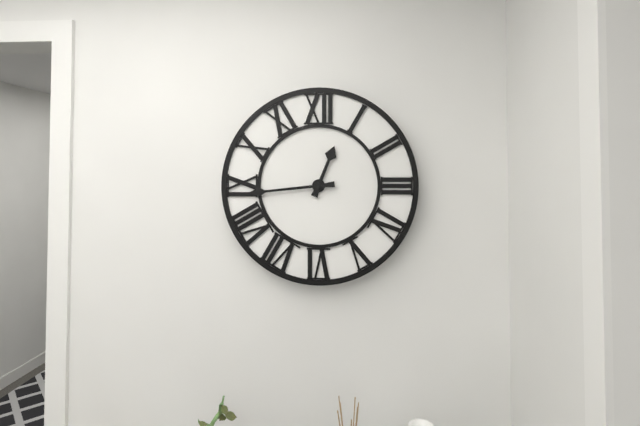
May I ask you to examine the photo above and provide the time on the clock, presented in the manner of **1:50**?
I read **12:44**
